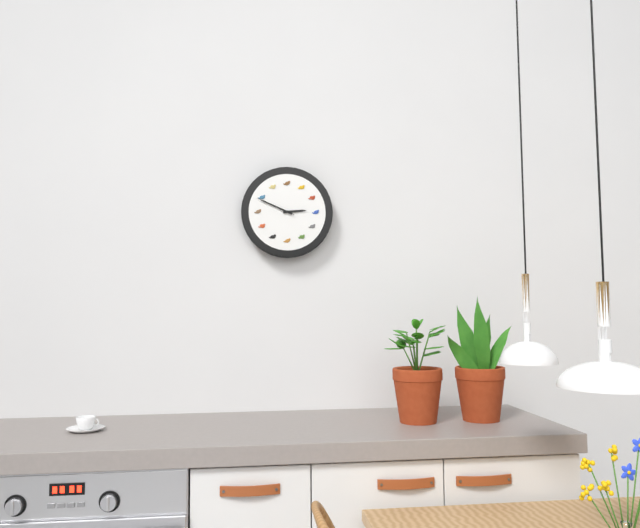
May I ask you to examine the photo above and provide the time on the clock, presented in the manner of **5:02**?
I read **2:49**
